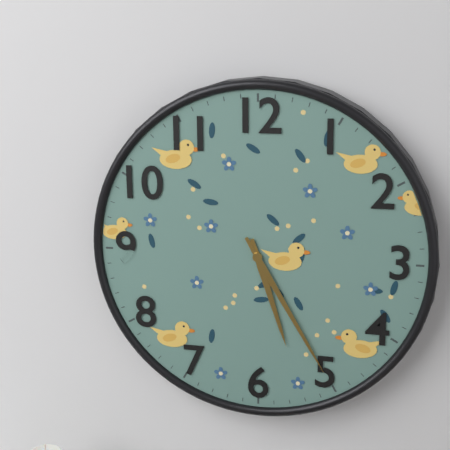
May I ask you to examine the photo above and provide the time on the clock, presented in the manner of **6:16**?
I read **5:25**
